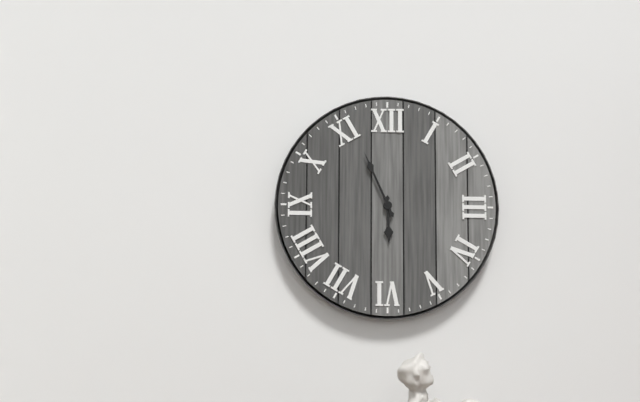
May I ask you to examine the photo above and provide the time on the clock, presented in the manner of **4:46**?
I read **5:56**
